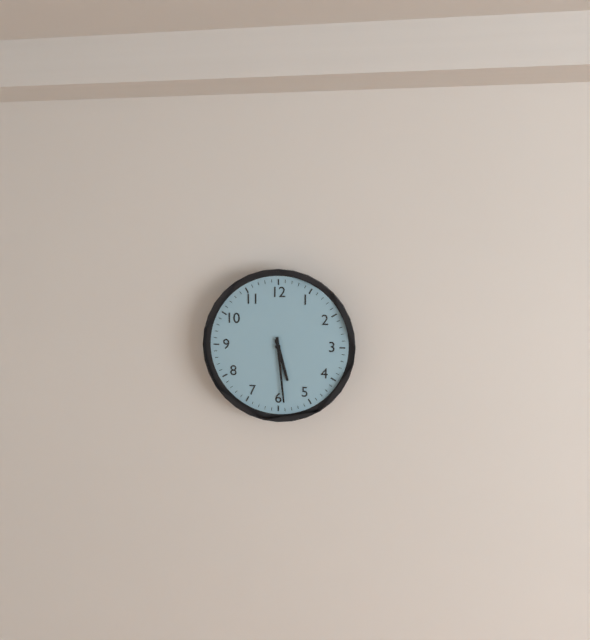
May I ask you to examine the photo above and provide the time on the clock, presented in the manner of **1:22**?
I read **5:29**
